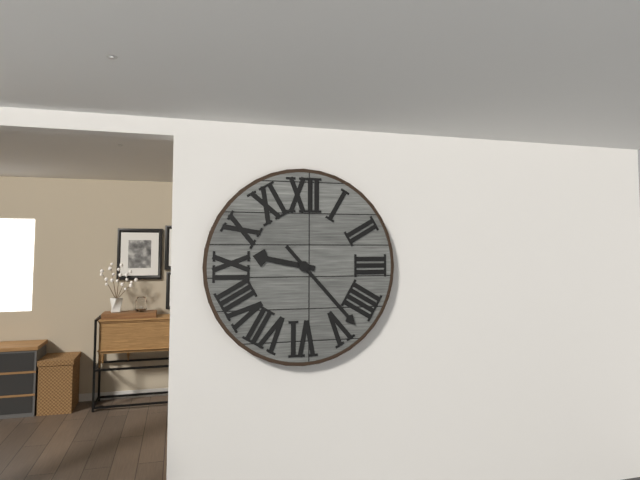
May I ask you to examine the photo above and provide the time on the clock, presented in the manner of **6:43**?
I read **9:23**
